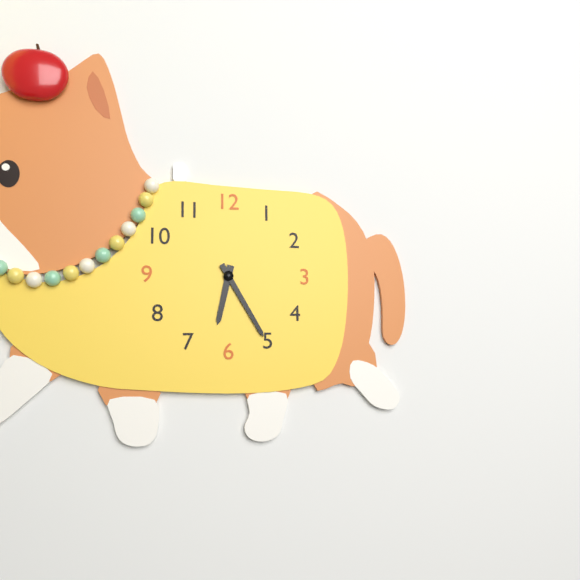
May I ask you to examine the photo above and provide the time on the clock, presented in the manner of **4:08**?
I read **6:25**
